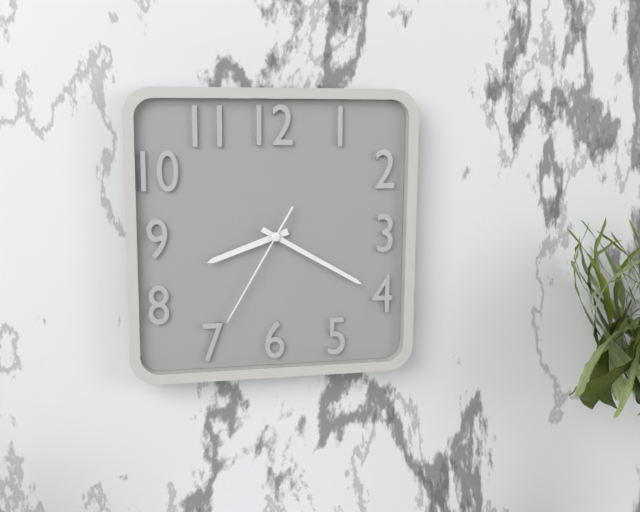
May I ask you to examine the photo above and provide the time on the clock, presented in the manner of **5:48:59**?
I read **8:20:35**
